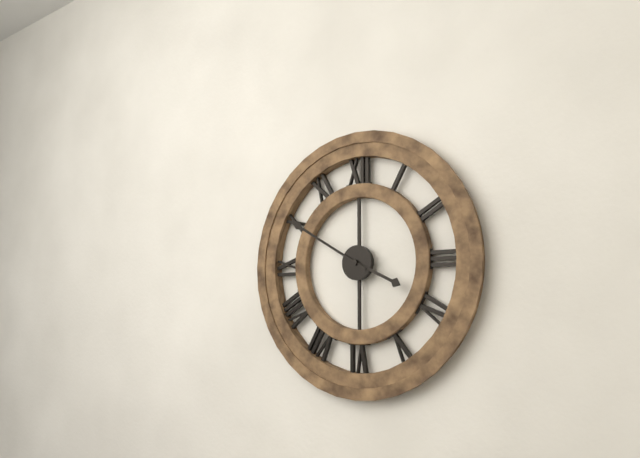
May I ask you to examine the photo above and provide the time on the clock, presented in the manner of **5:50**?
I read **3:50**
